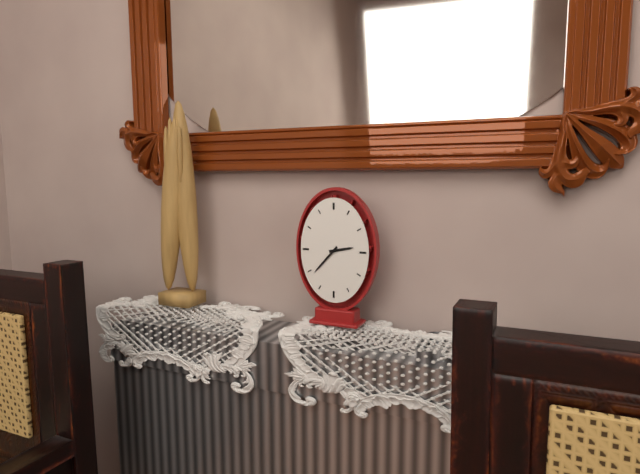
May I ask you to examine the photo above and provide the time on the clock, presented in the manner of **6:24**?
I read **2:37**
